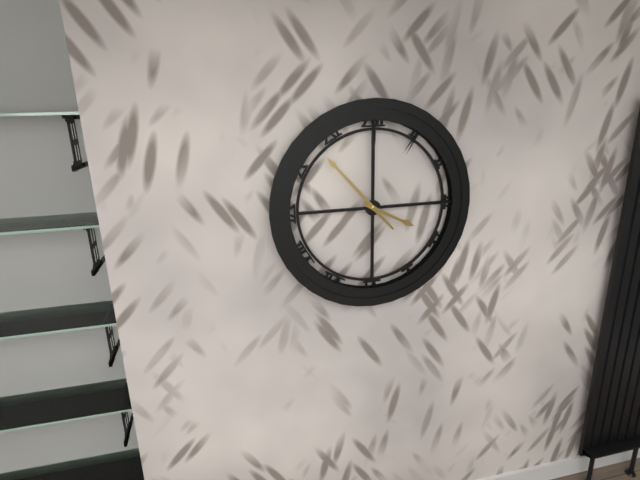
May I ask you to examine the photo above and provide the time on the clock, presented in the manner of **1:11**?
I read **3:53**
